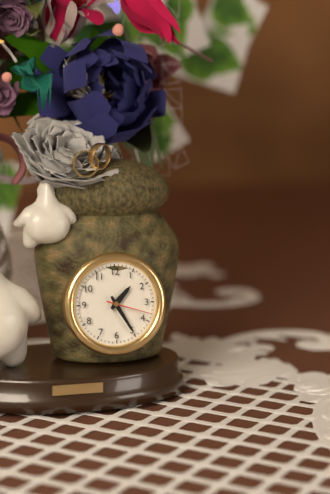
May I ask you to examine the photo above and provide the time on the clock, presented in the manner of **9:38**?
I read **1:25**
